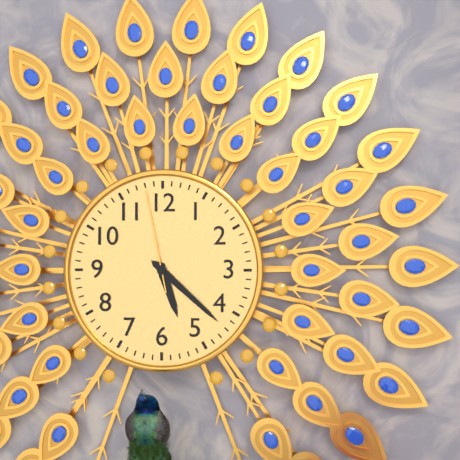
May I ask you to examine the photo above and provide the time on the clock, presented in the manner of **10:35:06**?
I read **5:22:58**
